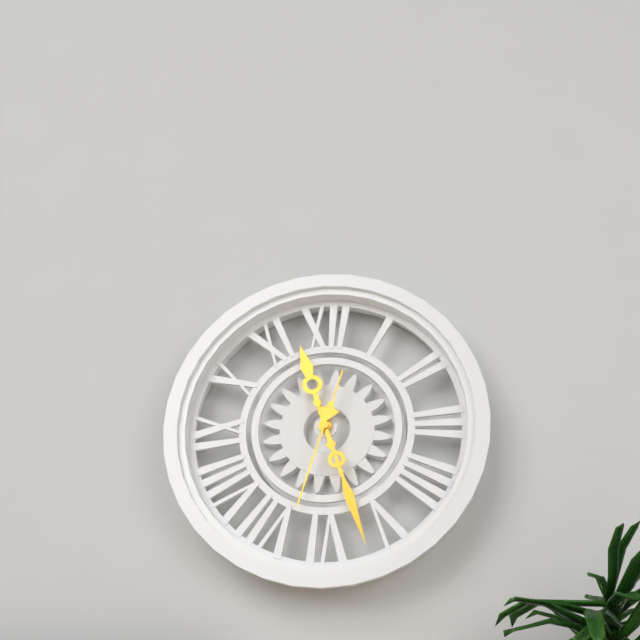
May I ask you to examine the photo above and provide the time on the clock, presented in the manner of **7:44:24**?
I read **11:27:33**
